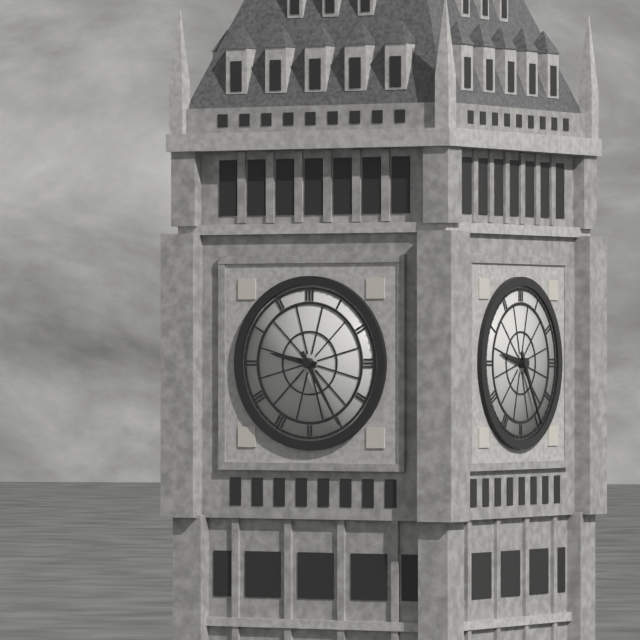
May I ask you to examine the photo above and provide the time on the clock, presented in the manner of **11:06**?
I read **9:25**
